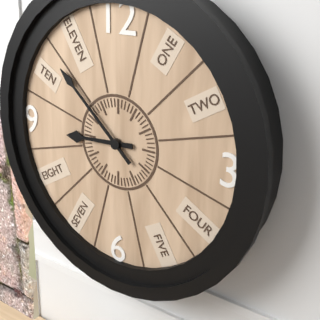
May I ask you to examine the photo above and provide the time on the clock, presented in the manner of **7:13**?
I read **8:52**
